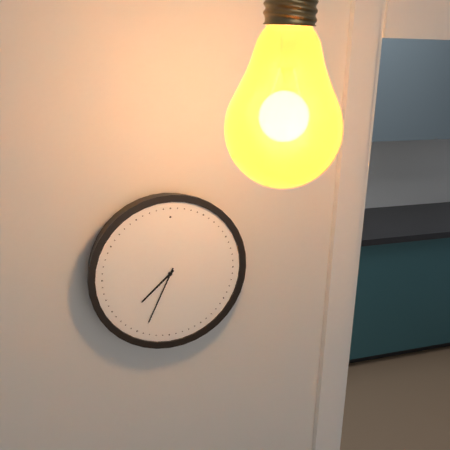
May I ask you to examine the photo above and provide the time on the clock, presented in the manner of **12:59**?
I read **7:34**
